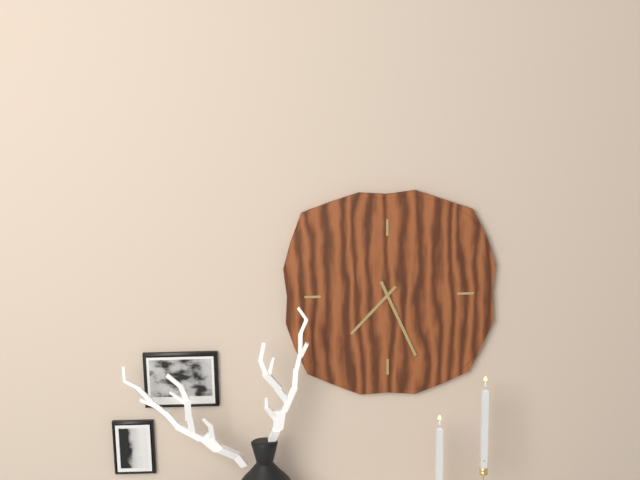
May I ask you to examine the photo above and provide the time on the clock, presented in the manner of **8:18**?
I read **7:26**
